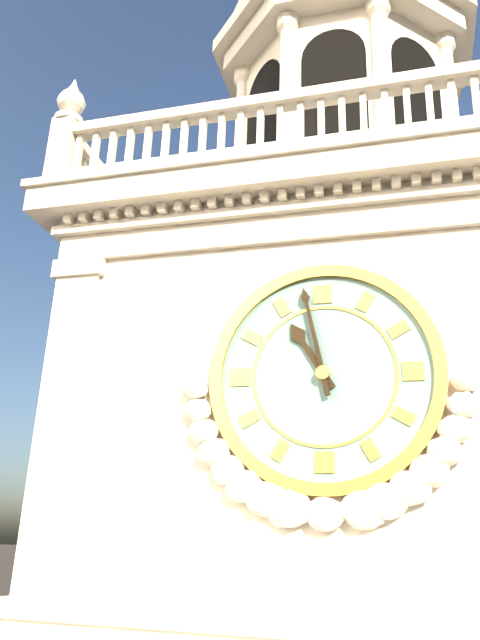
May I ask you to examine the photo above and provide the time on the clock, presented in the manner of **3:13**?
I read **10:58**
